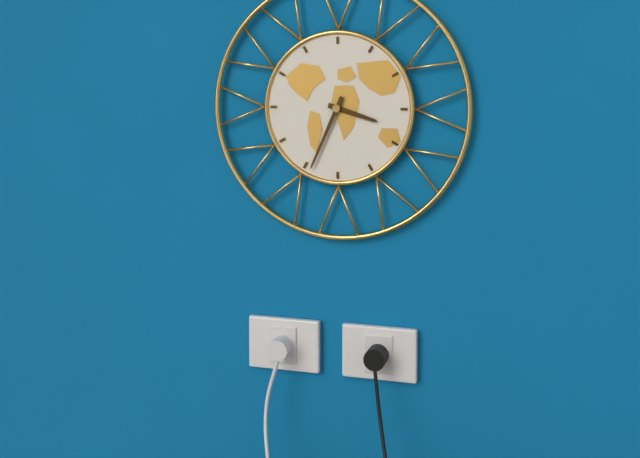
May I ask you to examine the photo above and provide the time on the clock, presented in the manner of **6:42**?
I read **3:34**
